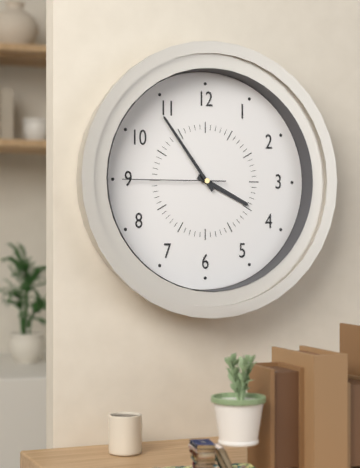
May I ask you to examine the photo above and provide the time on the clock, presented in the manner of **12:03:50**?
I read **3:54:45**
